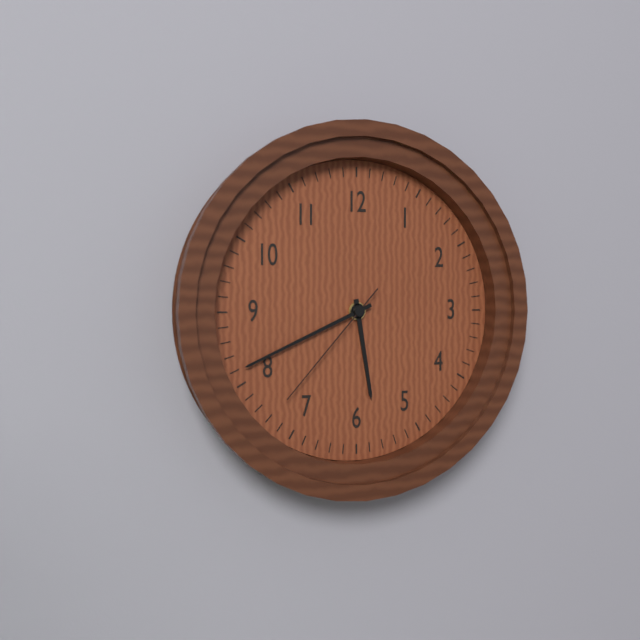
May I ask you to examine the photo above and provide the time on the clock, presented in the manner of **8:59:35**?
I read **5:41:37**
